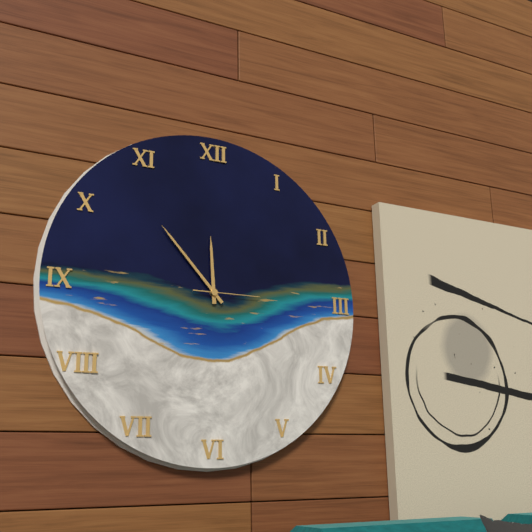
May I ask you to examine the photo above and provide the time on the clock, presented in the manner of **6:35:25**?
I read **11:53:15**
